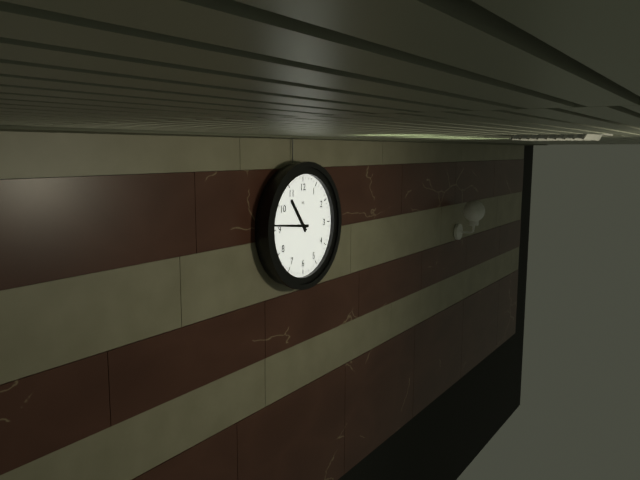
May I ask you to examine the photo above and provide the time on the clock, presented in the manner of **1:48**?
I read **10:46**
